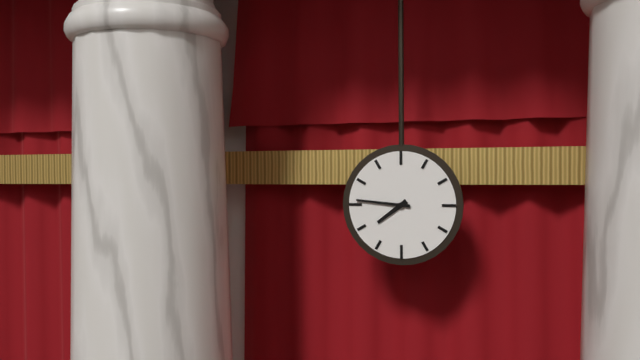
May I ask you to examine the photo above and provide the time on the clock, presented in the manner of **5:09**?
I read **7:46**
